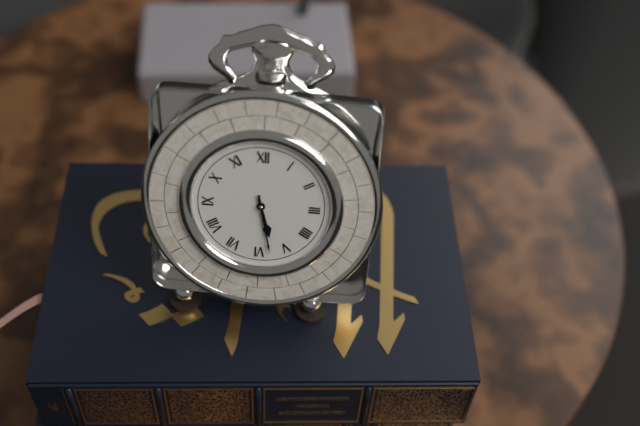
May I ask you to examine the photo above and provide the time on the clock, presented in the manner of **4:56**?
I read **5:28**
